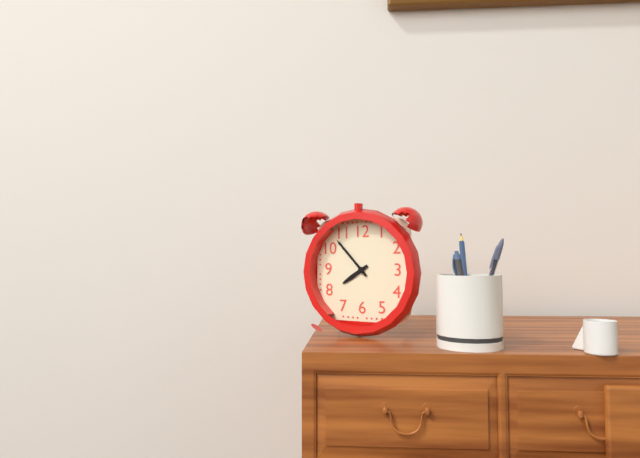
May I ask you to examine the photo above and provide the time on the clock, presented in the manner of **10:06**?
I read **7:53**
